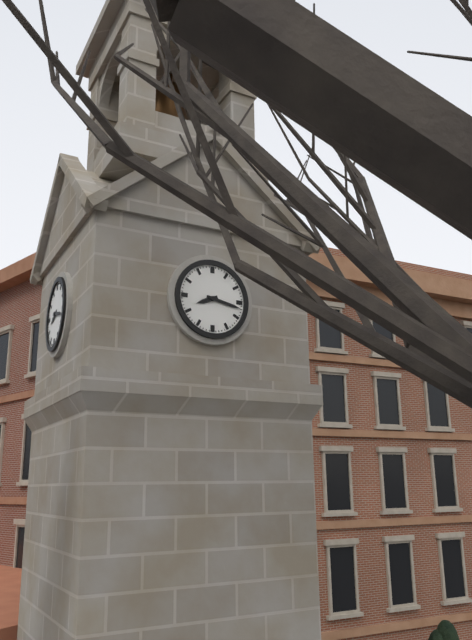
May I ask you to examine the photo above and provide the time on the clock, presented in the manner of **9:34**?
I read **8:17**
